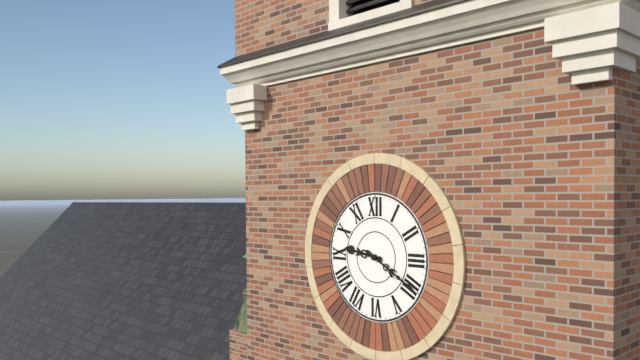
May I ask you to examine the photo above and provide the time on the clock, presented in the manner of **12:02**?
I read **9:20**
